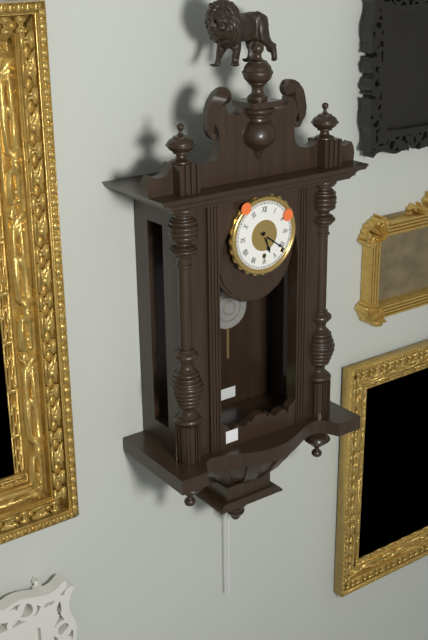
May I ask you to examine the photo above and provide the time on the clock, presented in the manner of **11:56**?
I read **5:21**
